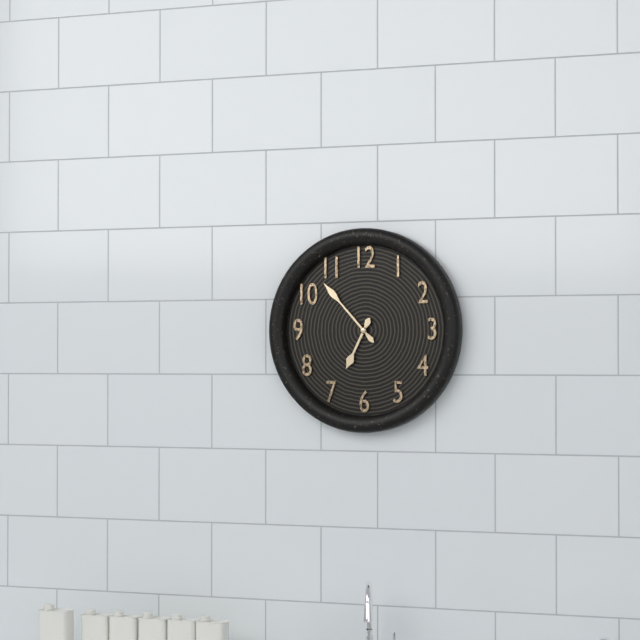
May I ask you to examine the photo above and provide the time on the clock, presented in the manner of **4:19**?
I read **6:53**
